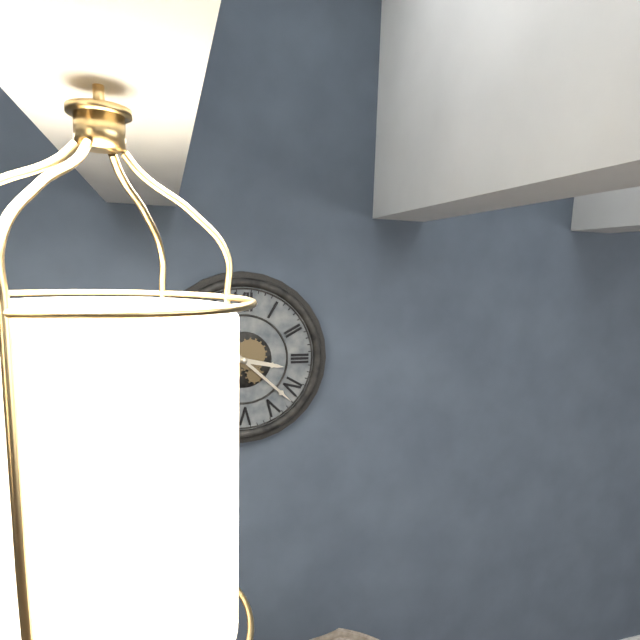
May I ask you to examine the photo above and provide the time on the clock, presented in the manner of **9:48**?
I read **3:22**
